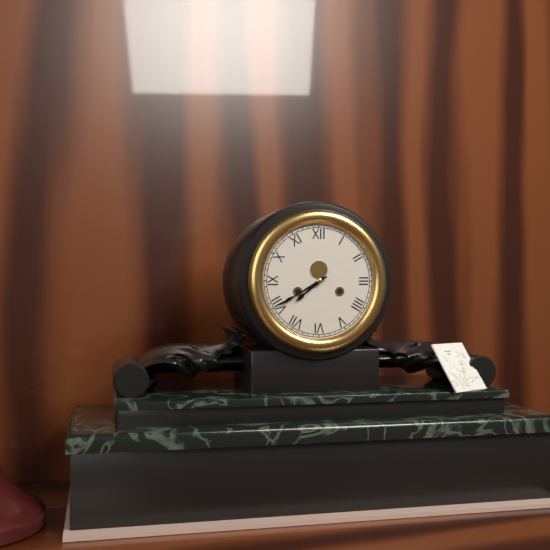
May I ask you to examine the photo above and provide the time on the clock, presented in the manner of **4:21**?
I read **7:40**
